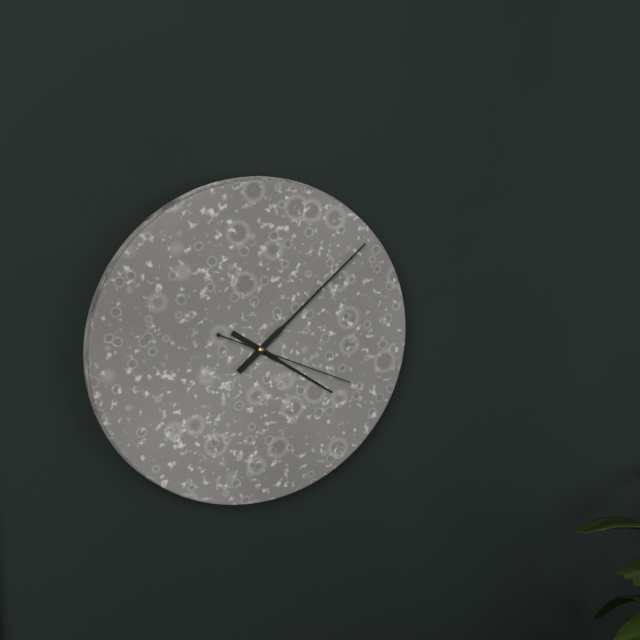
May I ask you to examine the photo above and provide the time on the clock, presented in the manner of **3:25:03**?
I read **4:08:19**
